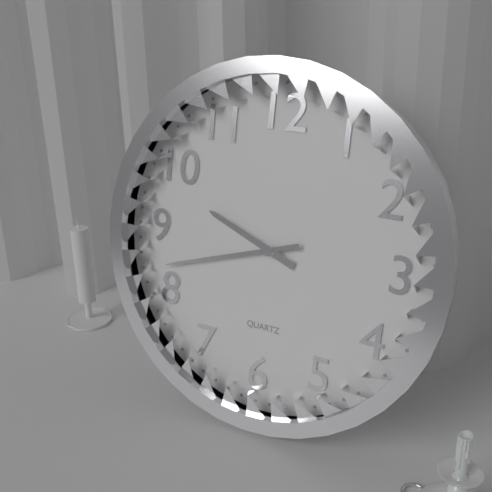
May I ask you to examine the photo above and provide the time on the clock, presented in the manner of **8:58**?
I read **9:42**
